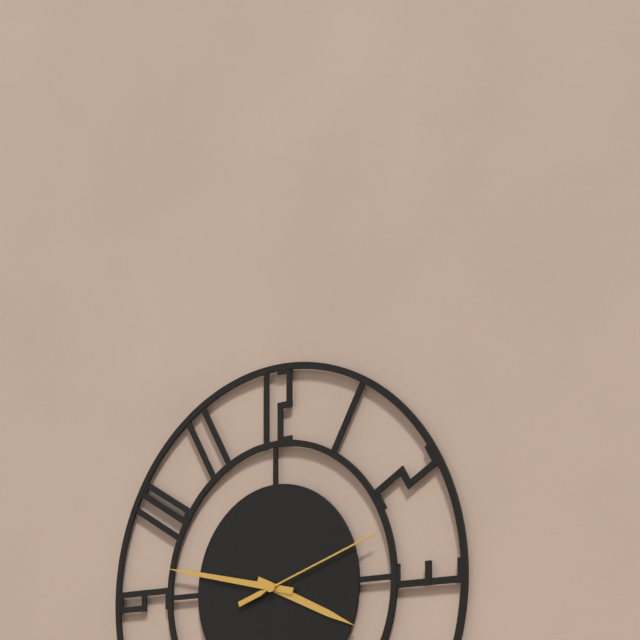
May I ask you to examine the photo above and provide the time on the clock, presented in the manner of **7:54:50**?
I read **3:47:12**
